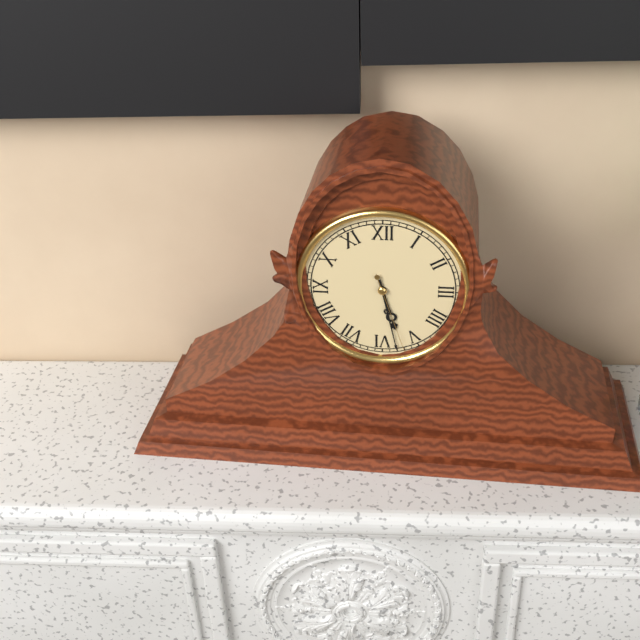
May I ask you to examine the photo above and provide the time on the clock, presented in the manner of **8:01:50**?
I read **5:28:27**
